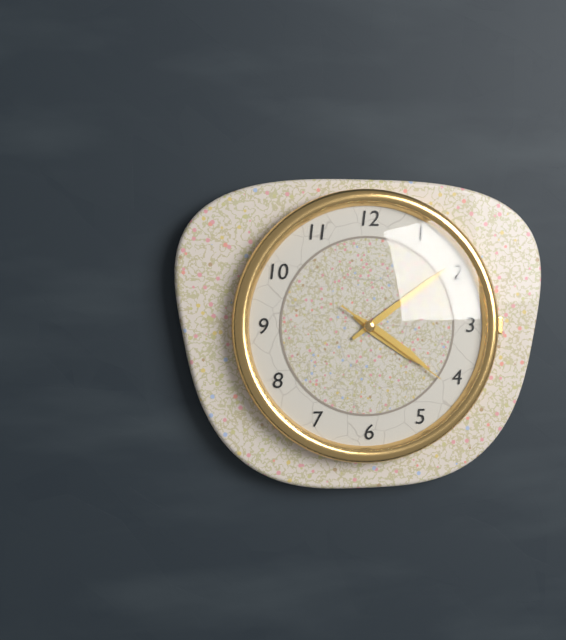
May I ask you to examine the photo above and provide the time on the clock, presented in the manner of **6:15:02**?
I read **4:09:21**
